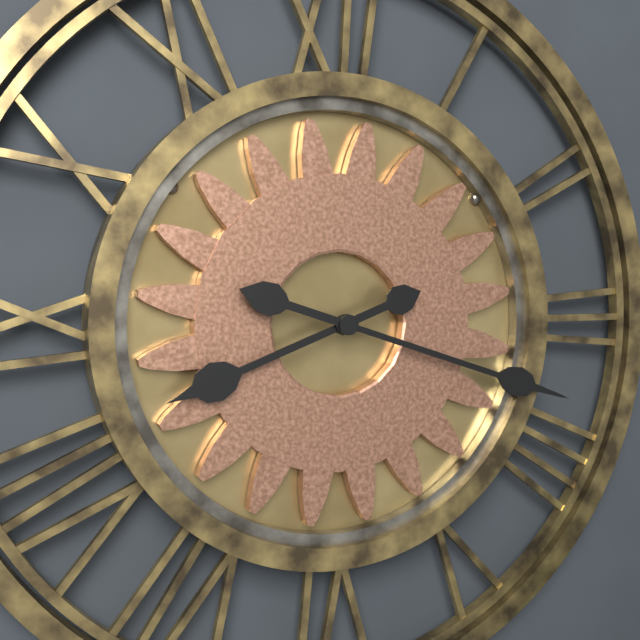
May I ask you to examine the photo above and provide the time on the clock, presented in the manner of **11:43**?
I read **8:18**
